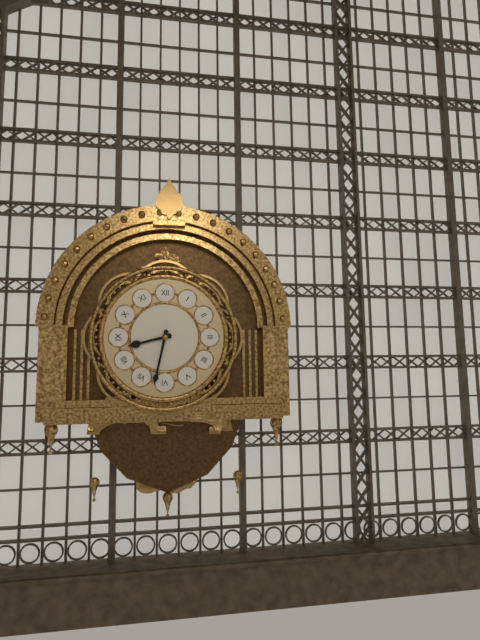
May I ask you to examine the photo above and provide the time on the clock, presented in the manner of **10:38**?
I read **8:32**
